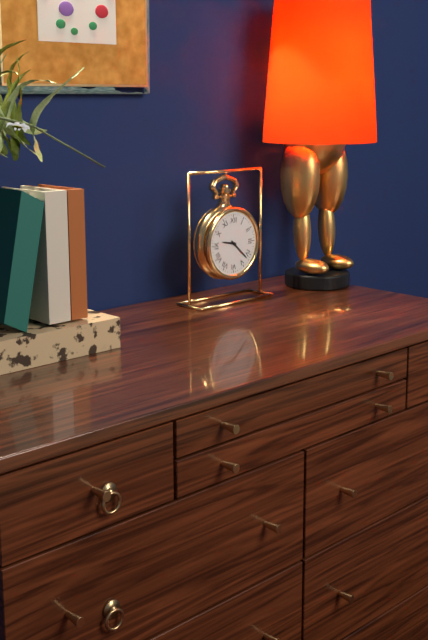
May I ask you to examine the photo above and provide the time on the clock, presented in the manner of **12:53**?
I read **9:22**
